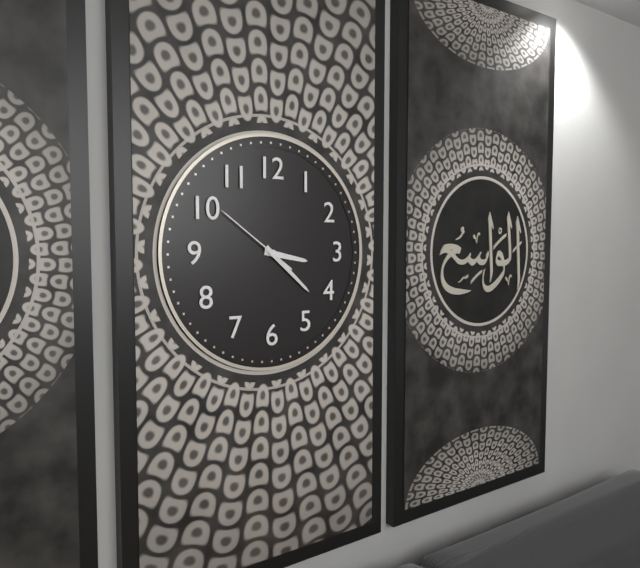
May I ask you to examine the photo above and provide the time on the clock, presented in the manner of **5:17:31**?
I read **3:22:51**
